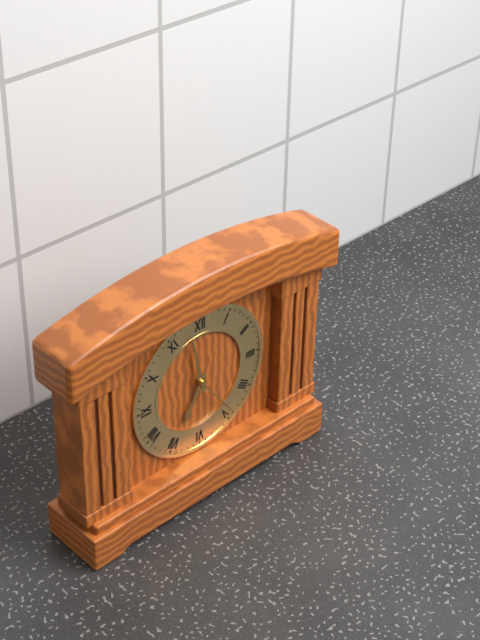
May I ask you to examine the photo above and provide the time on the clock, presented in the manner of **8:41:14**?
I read **6:58:24**
